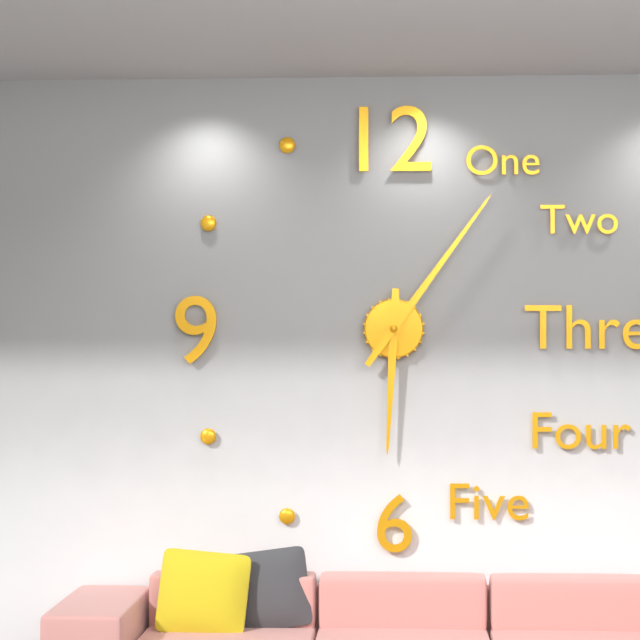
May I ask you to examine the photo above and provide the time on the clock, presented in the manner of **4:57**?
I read **6:06**
